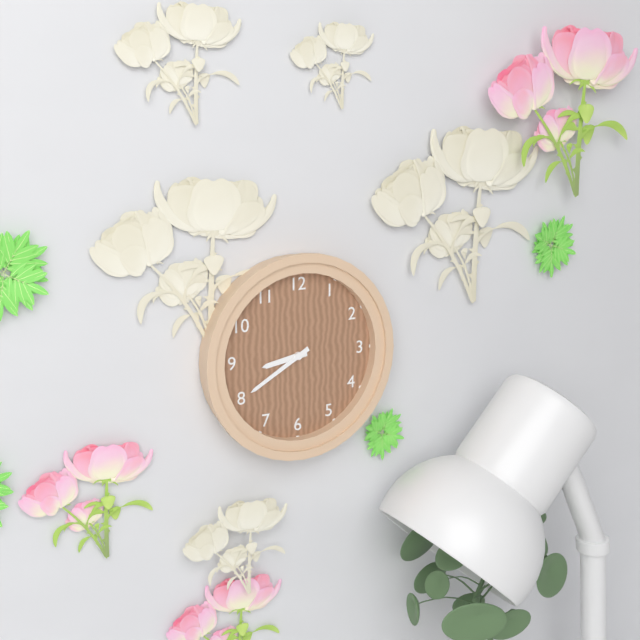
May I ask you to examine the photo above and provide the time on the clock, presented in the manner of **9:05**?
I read **8:40**
